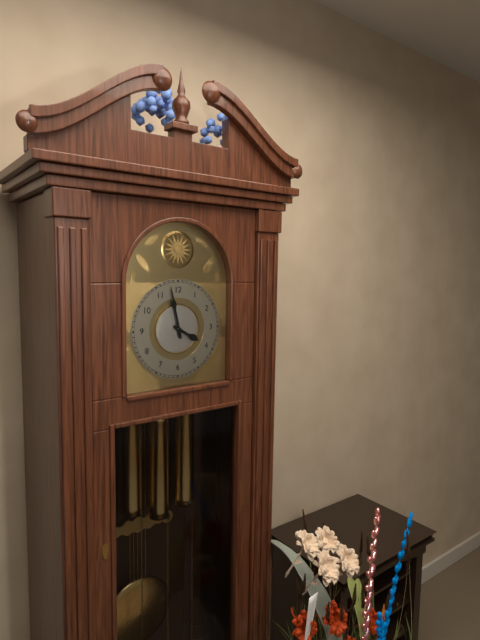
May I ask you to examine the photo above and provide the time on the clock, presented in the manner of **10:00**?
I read **3:58**
